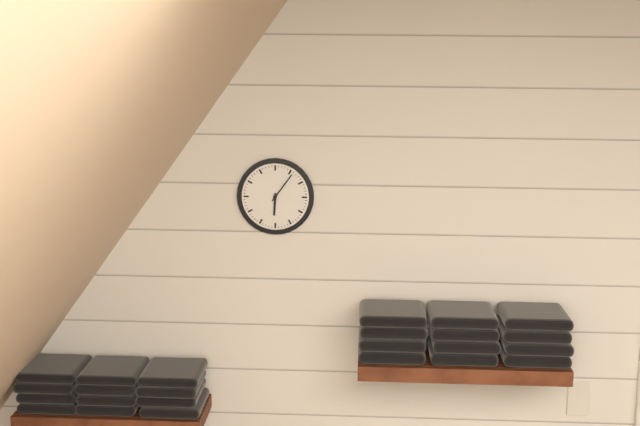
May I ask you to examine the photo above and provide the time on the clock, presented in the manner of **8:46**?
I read **6:06**
